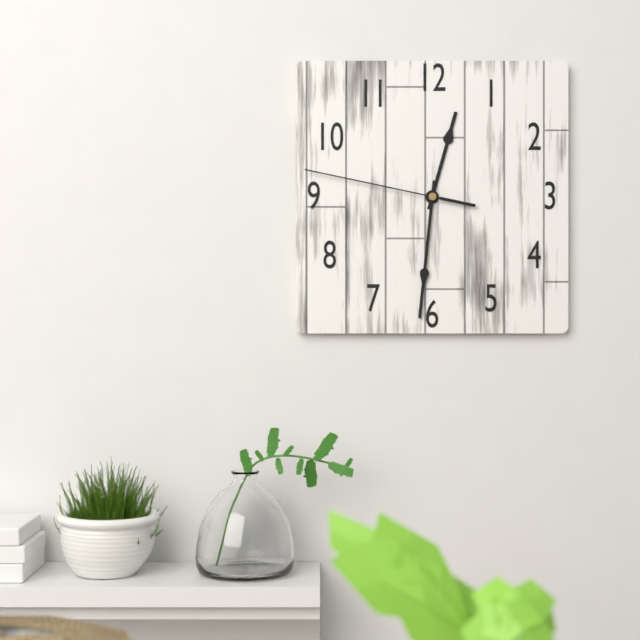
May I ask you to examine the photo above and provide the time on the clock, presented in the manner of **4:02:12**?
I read **12:31:47**
